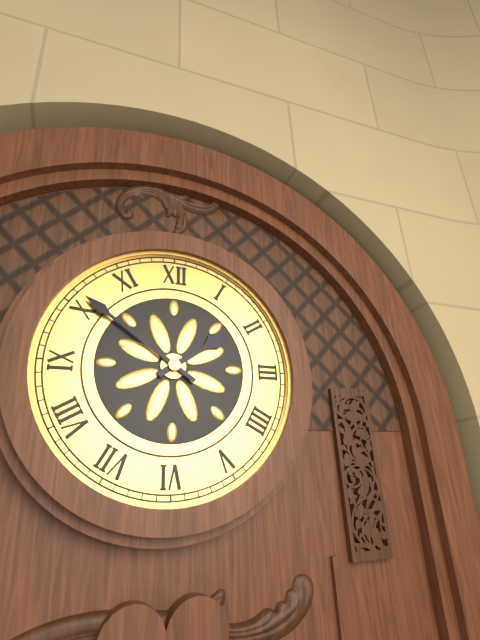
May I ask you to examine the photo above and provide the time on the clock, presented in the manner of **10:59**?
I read **1:51**
